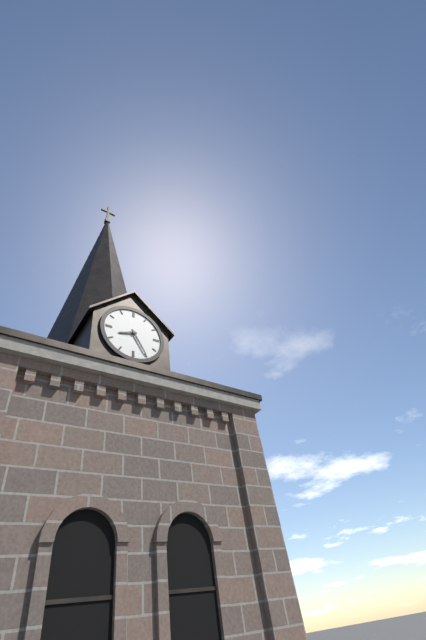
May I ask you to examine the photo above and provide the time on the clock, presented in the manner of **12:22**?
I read **8:25**
